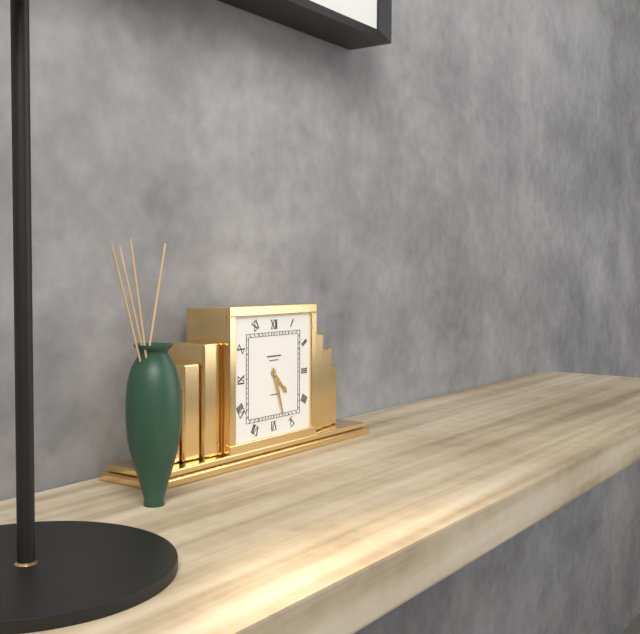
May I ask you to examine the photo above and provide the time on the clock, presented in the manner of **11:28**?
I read **4:27**
